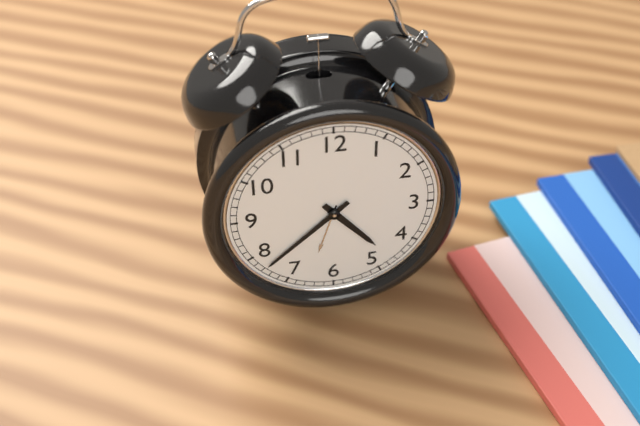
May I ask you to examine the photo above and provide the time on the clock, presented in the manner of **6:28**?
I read **4:38**
